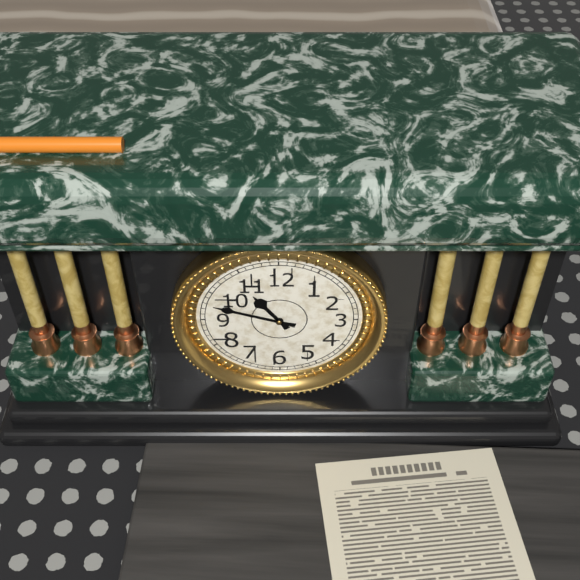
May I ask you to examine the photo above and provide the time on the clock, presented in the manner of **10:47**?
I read **10:48**
